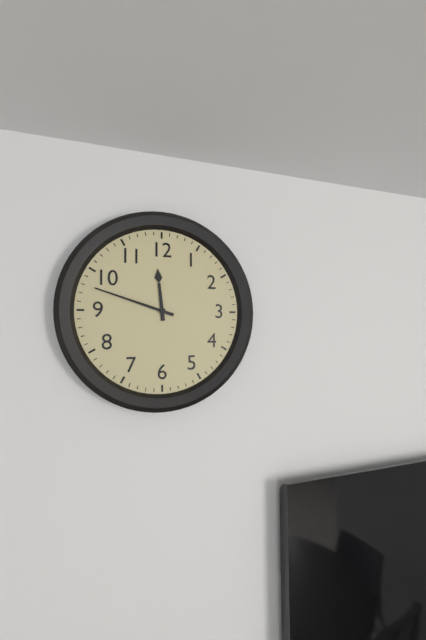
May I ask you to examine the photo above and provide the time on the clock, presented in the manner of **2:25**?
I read **11:48**
